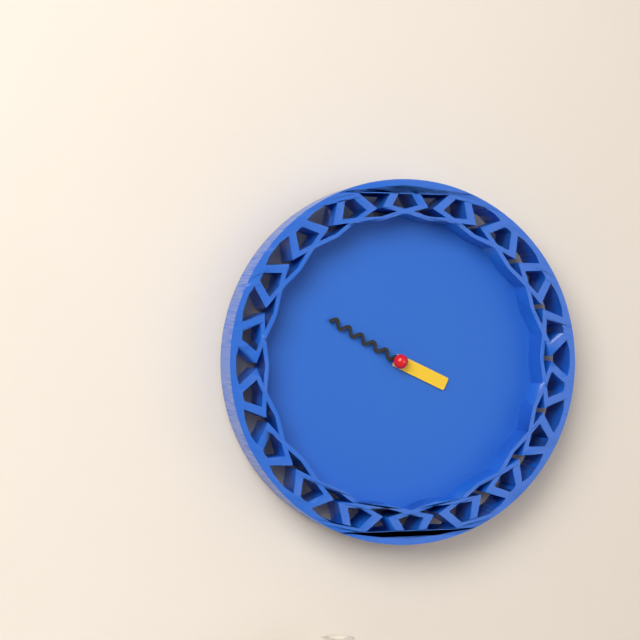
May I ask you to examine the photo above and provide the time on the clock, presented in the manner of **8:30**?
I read **3:50**
